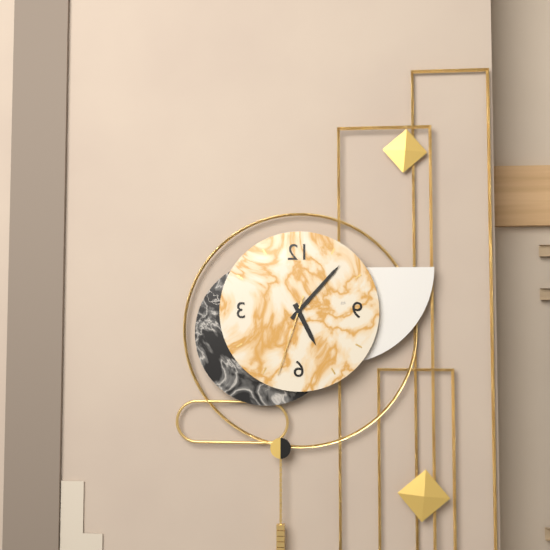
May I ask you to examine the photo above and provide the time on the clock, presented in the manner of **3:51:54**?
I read **5:07:33**
